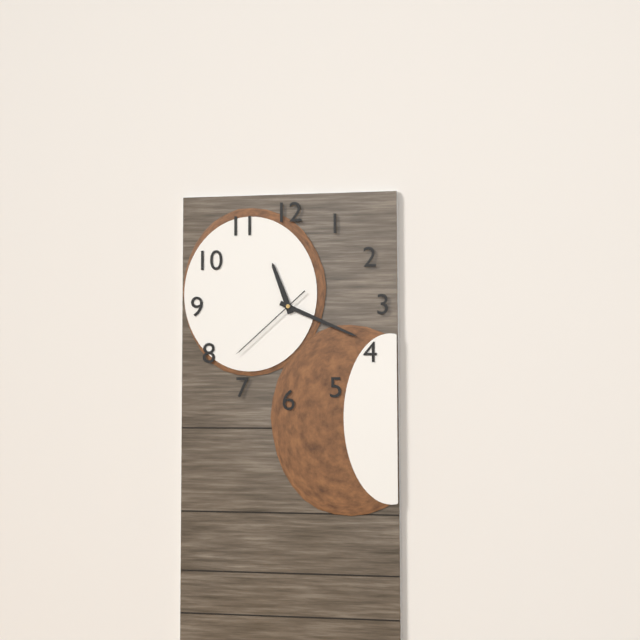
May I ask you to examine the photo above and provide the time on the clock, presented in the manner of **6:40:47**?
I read **11:19:38**
